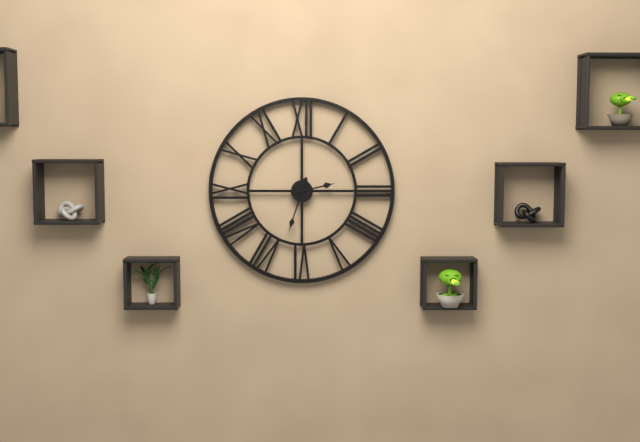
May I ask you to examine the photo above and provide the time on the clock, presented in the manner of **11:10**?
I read **2:33**
